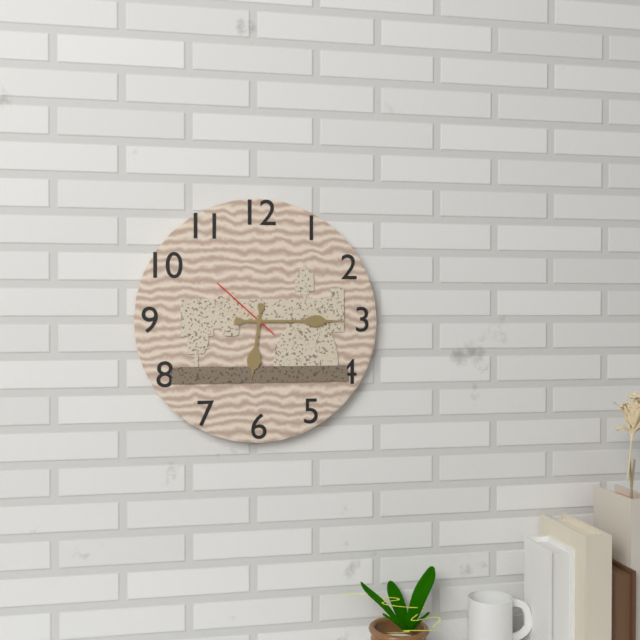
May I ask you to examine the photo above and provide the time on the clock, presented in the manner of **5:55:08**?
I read **6:15:52**
